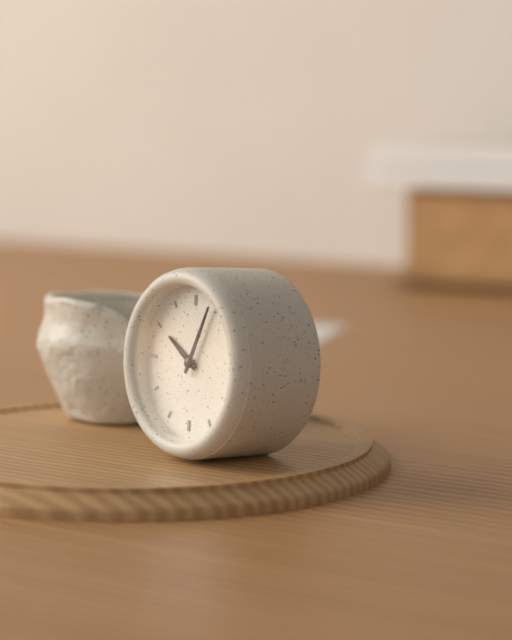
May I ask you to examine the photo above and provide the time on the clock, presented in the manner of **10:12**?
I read **10:04**
